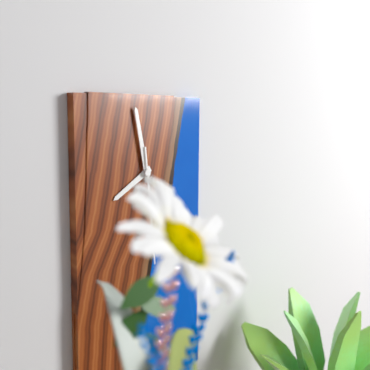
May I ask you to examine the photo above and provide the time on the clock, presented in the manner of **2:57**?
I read **7:58**
